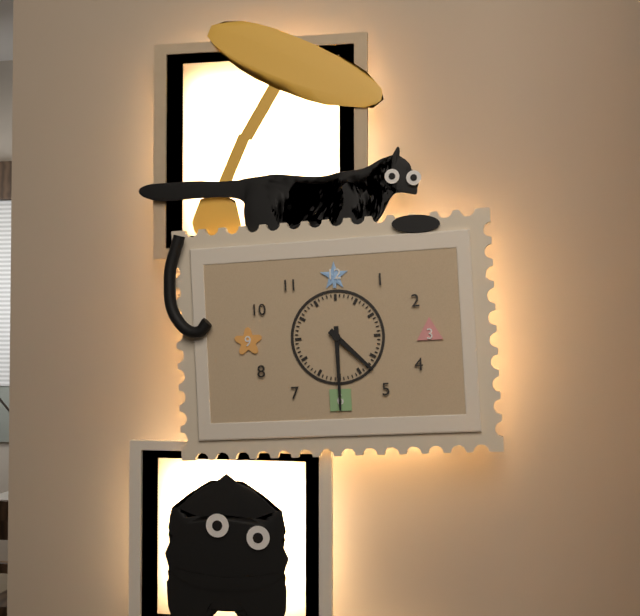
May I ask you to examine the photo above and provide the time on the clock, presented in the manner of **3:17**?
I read **4:30**
